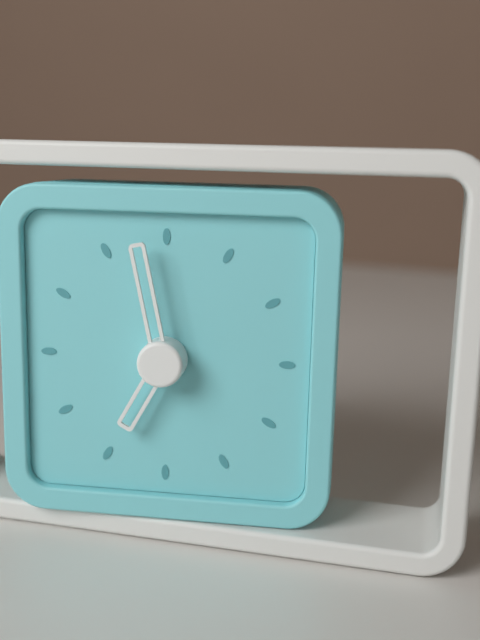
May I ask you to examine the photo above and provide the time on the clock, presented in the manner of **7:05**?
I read **6:58**
